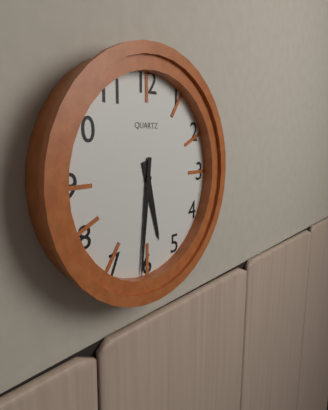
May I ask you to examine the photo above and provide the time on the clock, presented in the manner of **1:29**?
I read **5:31**
